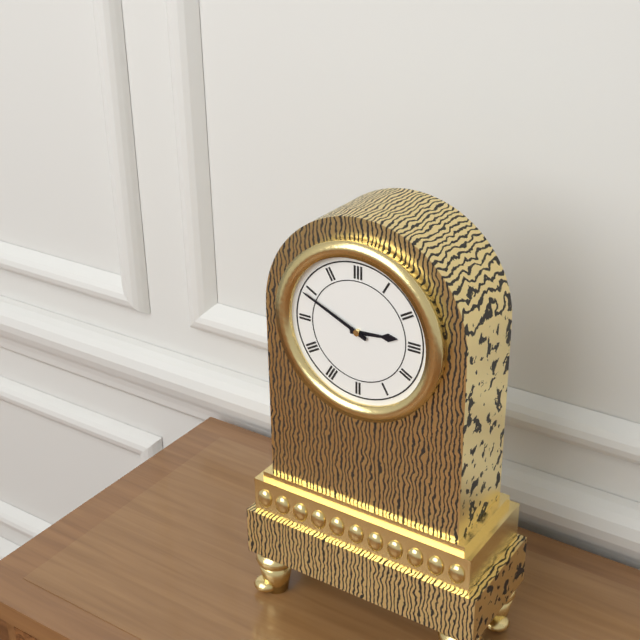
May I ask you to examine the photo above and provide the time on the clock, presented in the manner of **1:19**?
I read **2:49**
